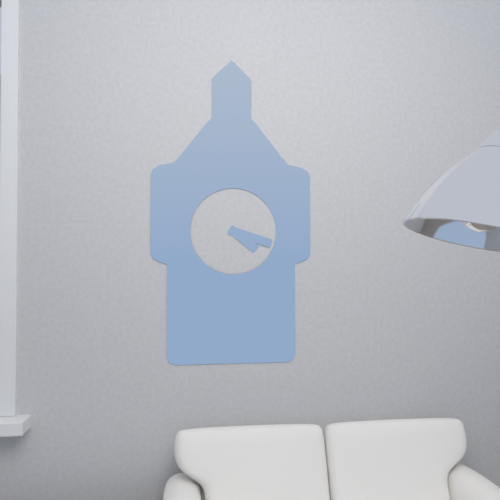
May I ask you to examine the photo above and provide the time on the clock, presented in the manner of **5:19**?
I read **4:18**
